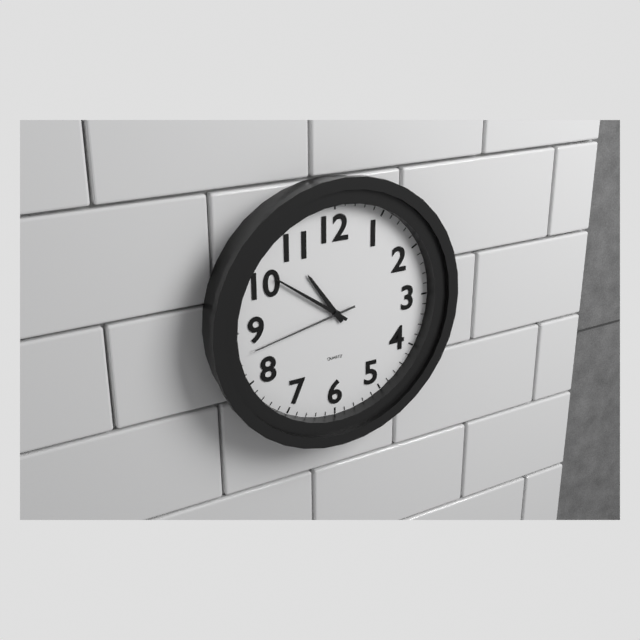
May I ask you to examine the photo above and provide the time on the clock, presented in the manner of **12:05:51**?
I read **10:51:43**
